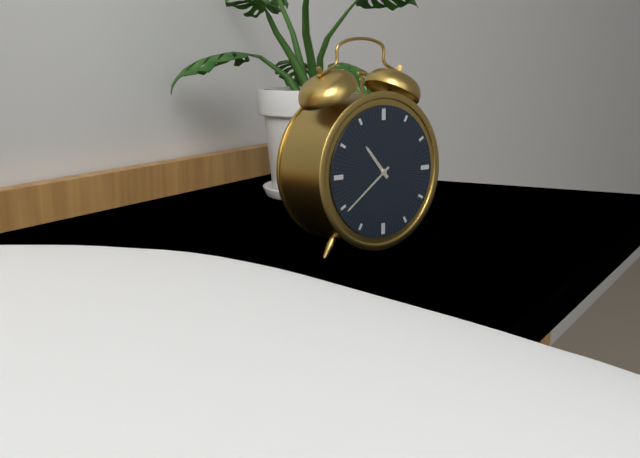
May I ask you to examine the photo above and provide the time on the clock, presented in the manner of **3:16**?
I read **10:39**
